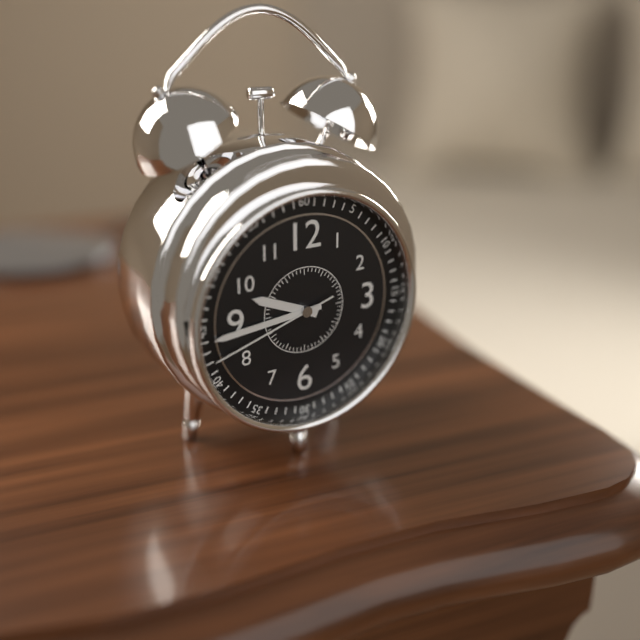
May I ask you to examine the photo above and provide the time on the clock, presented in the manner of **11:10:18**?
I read **9:44:42**
